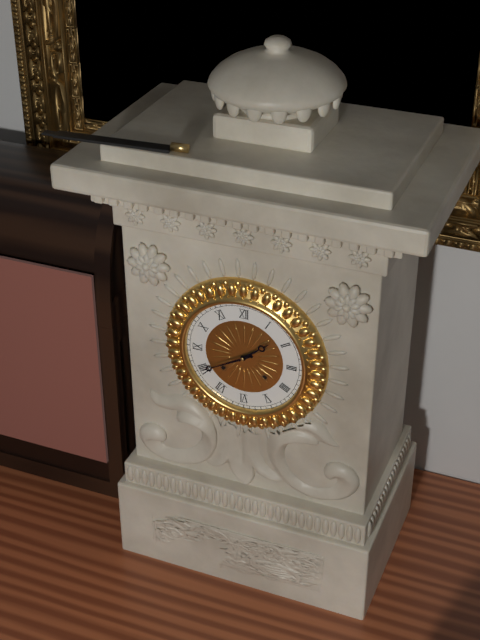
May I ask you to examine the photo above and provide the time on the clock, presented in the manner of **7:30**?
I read **1:40**
